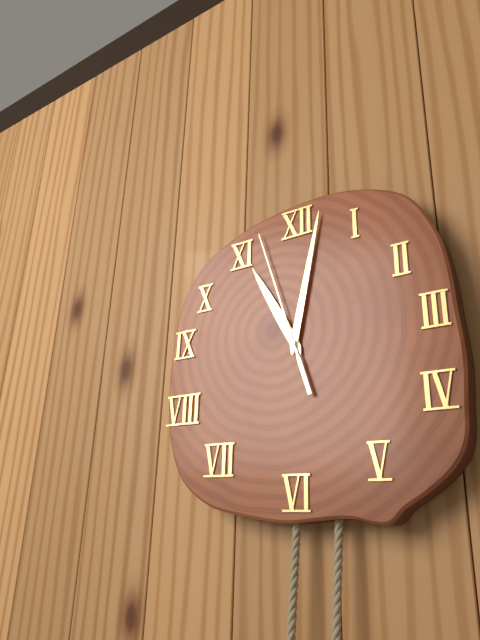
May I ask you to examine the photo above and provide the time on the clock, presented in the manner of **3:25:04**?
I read **11:02:57**
